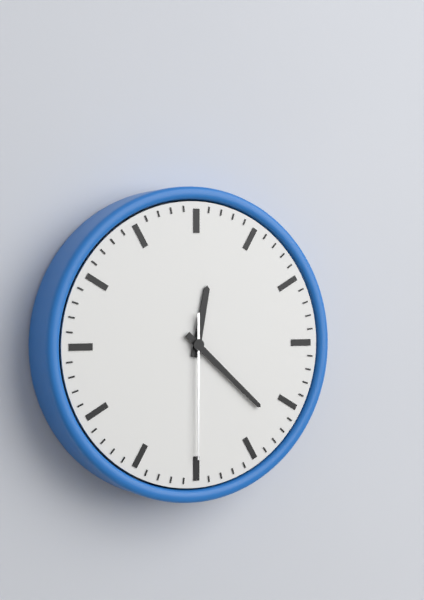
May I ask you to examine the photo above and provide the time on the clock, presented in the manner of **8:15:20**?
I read **12:22:30**
